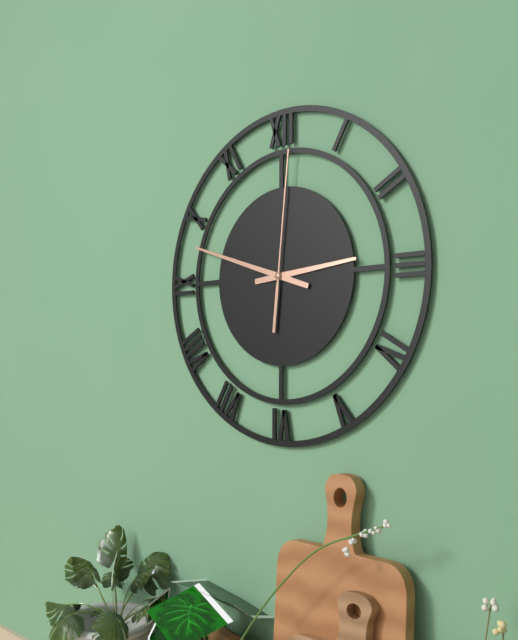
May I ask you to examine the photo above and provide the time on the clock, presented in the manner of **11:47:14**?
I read **2:48:01**
